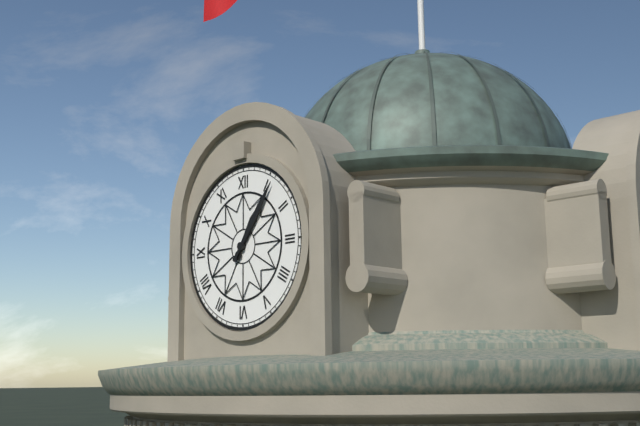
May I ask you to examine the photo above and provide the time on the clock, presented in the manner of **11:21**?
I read **1:06**
